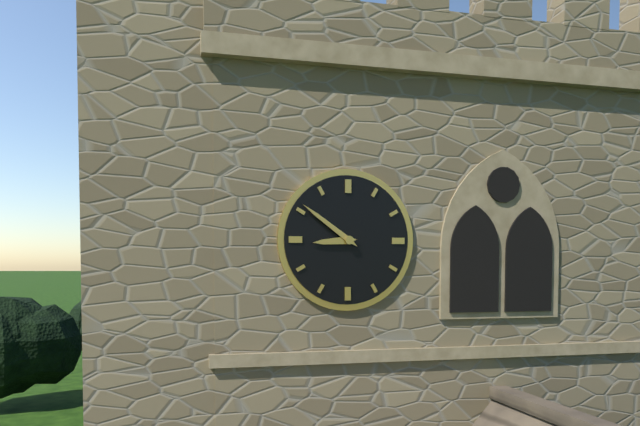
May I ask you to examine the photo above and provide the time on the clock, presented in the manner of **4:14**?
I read **8:51**
